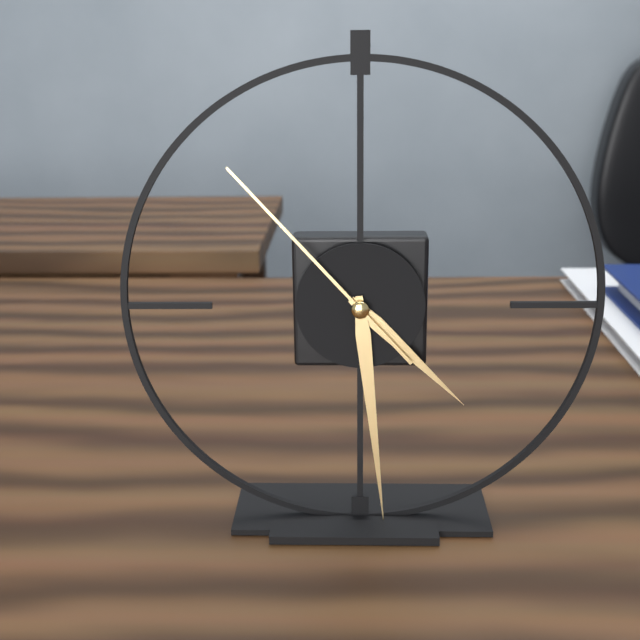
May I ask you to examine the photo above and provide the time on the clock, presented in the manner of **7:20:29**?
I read **4:29:53**
